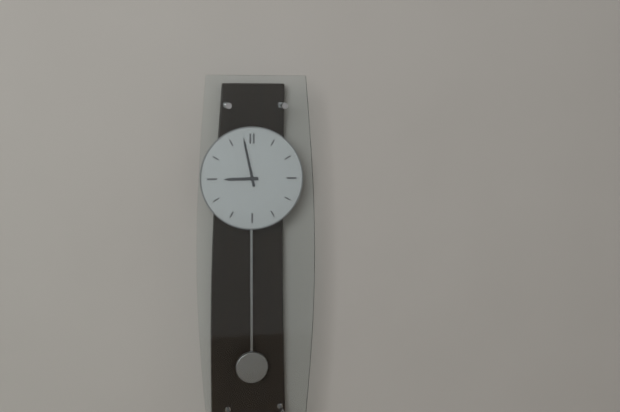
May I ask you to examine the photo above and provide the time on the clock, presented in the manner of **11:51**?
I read **8:58**
